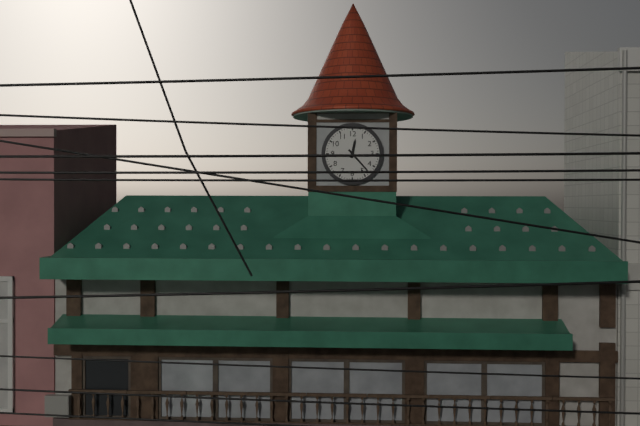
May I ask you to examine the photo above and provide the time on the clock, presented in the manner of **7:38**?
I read **12:23**
